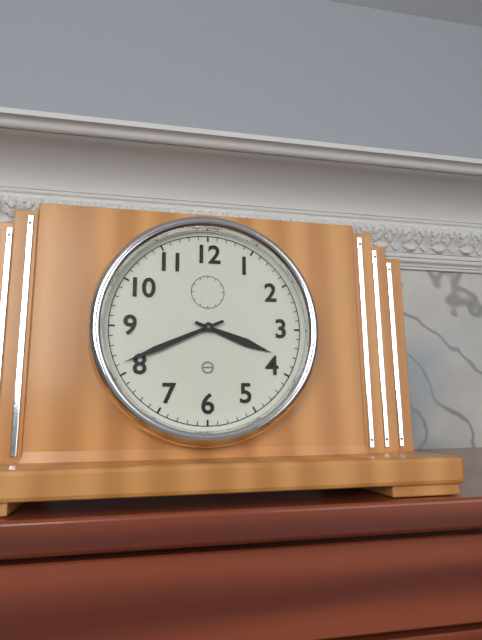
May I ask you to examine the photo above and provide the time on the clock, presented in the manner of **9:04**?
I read **3:41**
